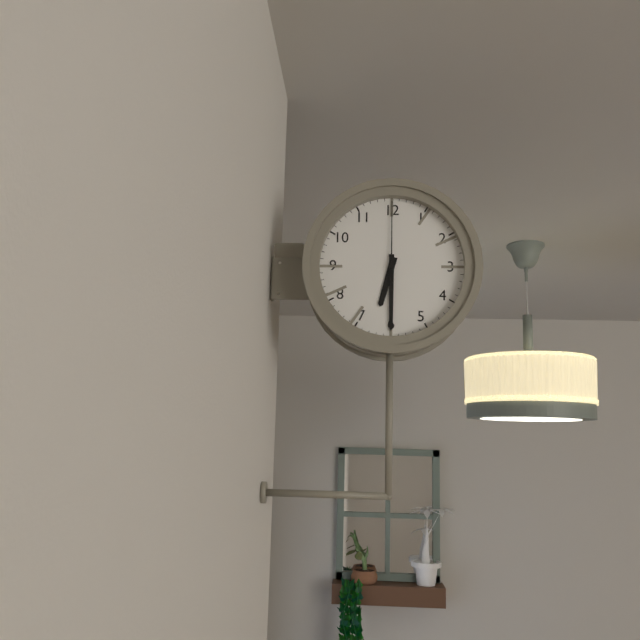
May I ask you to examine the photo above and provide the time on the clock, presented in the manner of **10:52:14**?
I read **6:30:00**
